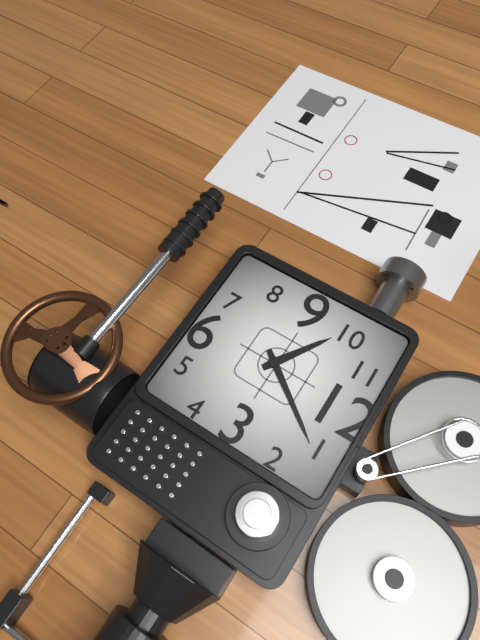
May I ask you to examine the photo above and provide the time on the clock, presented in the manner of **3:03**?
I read **10:06**
